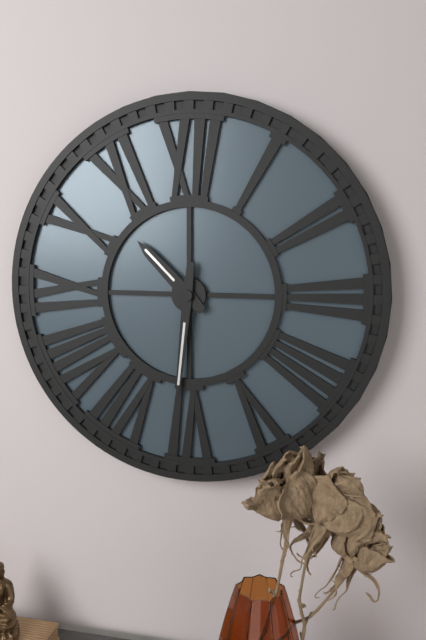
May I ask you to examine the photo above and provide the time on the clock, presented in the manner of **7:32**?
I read **10:31**
